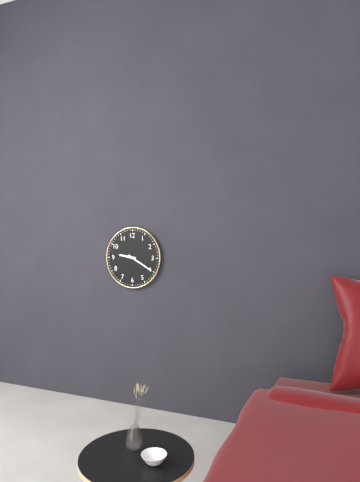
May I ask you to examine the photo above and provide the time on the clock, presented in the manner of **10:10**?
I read **9:20**
